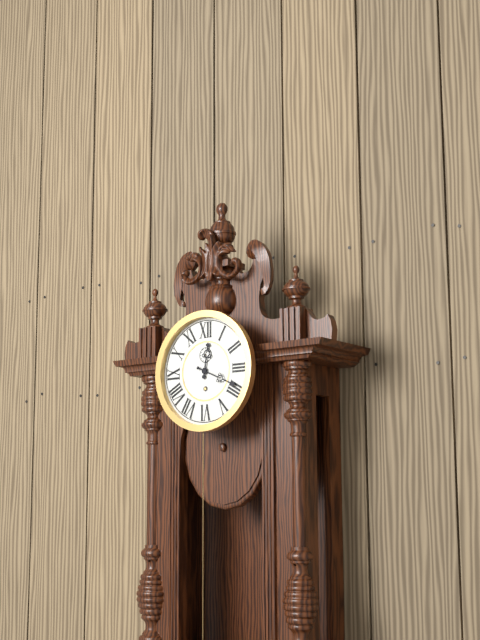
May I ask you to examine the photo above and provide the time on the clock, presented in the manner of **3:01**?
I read **12:19**
